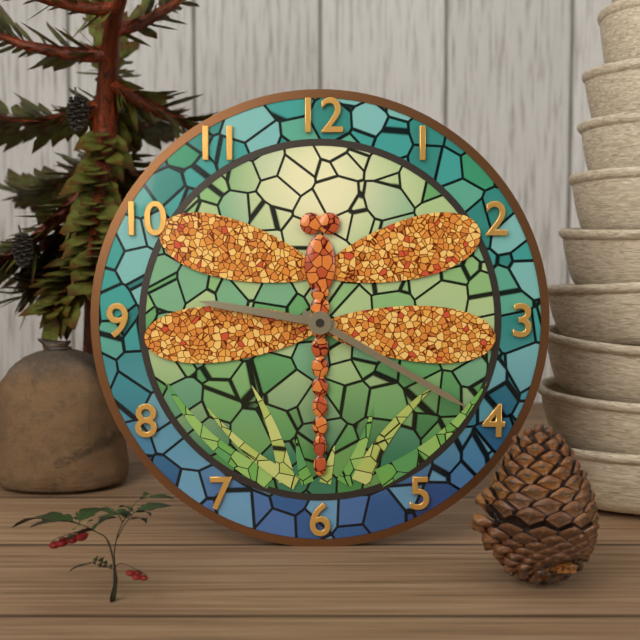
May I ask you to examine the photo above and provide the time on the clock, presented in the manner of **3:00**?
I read **9:20**
